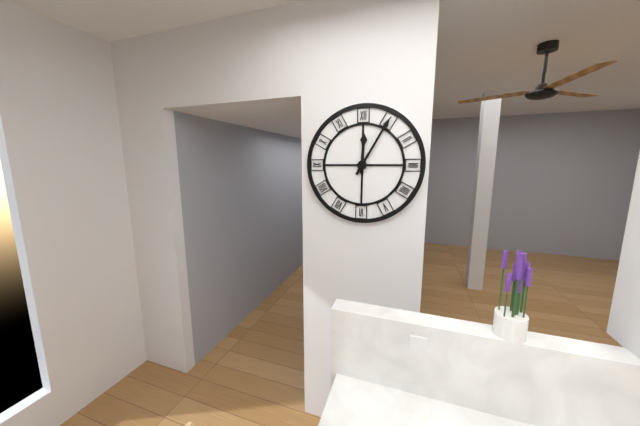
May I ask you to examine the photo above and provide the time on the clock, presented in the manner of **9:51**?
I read **12:05**
